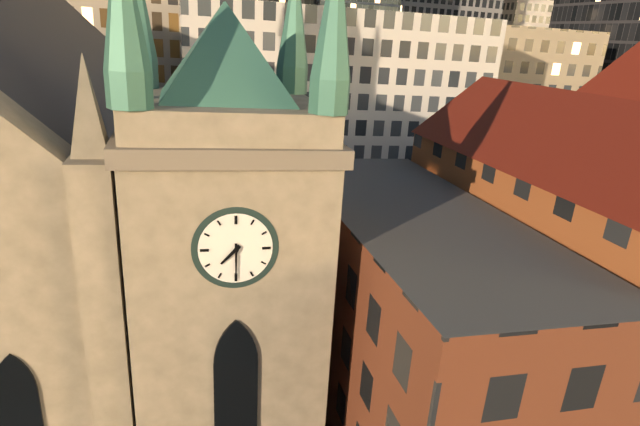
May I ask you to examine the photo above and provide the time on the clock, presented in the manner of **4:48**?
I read **7:30**
